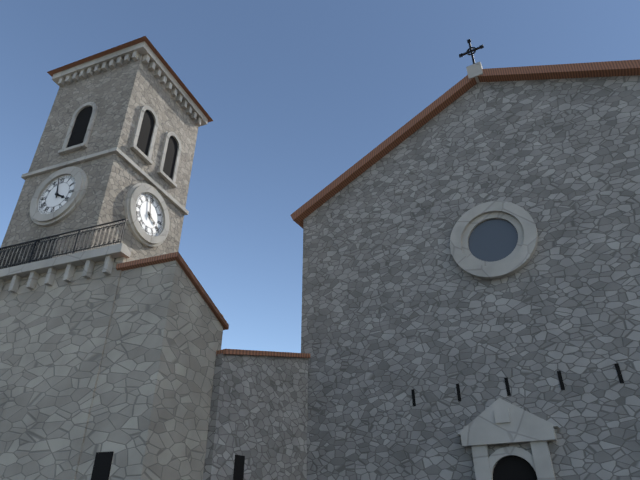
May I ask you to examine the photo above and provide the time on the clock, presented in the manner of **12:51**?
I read **3:58**
